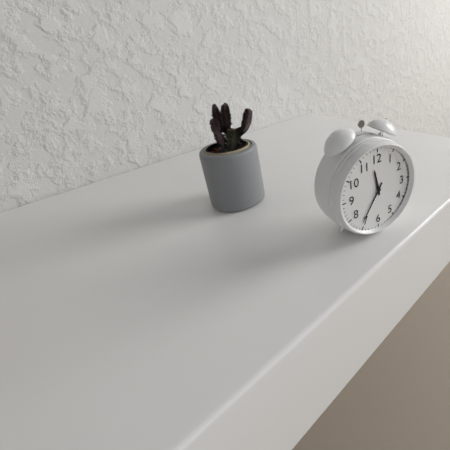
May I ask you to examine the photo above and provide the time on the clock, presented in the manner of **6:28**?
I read **11:36**
